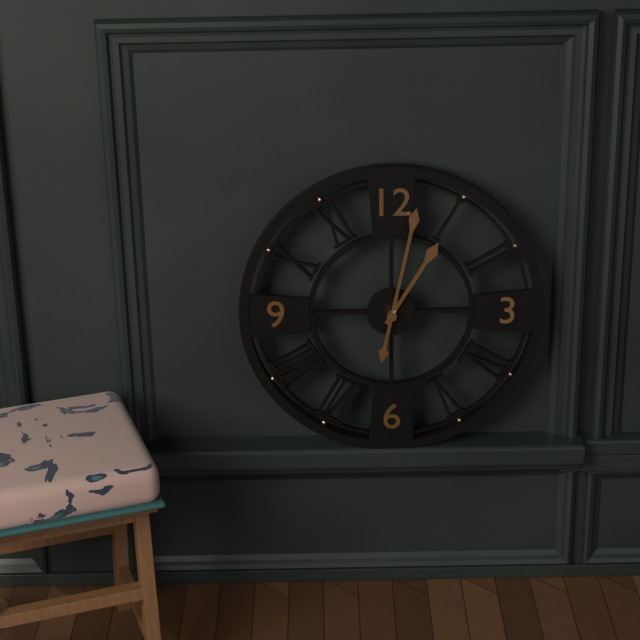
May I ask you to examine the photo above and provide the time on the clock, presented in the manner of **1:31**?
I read **1:02**
